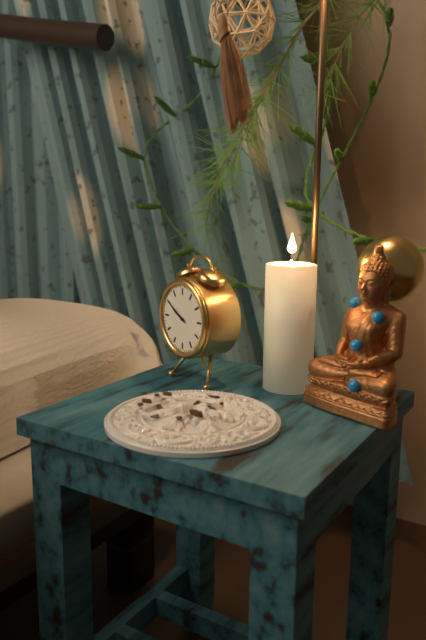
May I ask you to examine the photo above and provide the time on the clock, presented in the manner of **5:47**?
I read **9:50**
